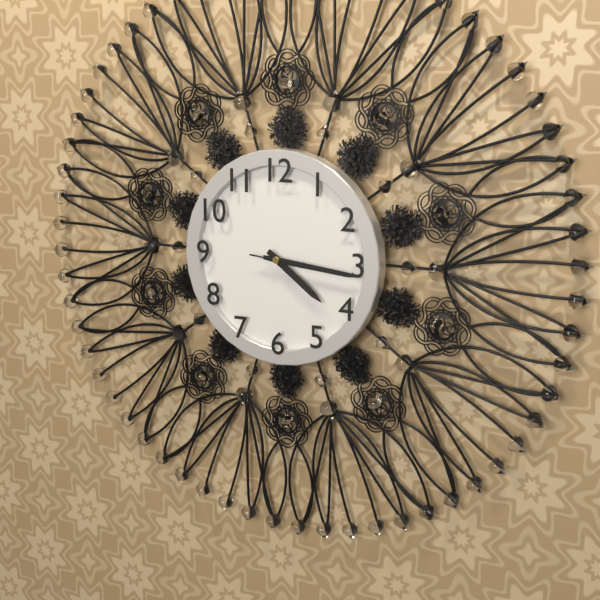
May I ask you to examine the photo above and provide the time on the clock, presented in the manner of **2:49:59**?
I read **4:16:16**
